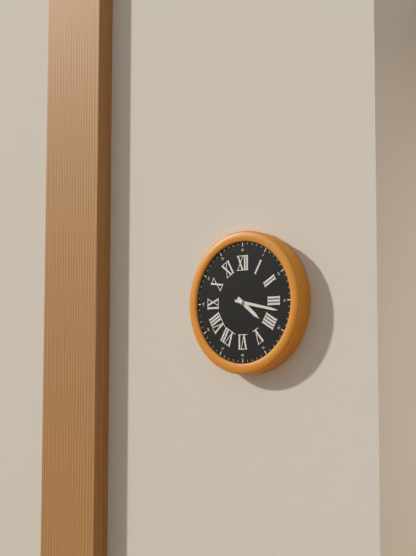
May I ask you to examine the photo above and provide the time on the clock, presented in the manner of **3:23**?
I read **4:17**
